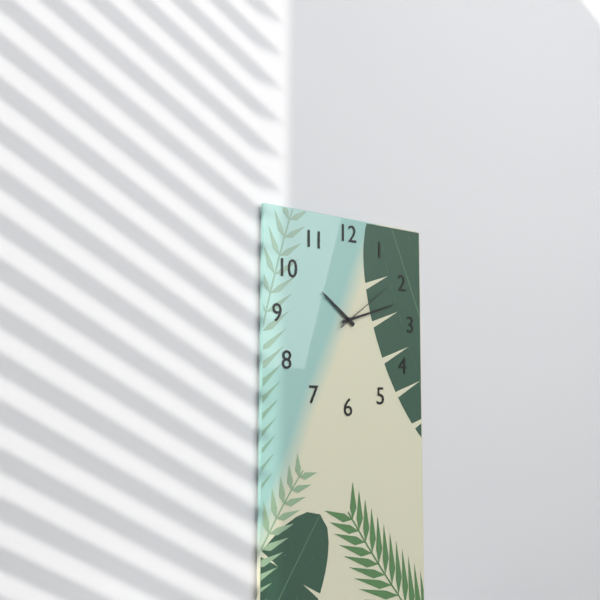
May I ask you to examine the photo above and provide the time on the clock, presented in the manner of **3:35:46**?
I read **10:12:09**
